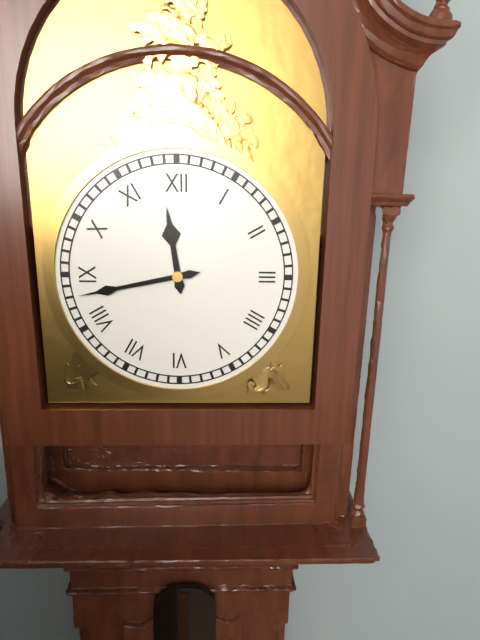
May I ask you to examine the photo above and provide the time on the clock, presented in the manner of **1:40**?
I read **11:43**
